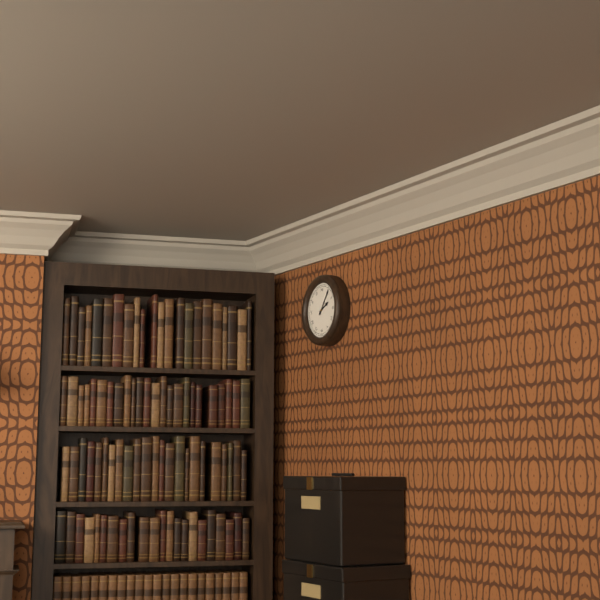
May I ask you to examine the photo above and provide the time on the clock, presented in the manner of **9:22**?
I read **2:06**
